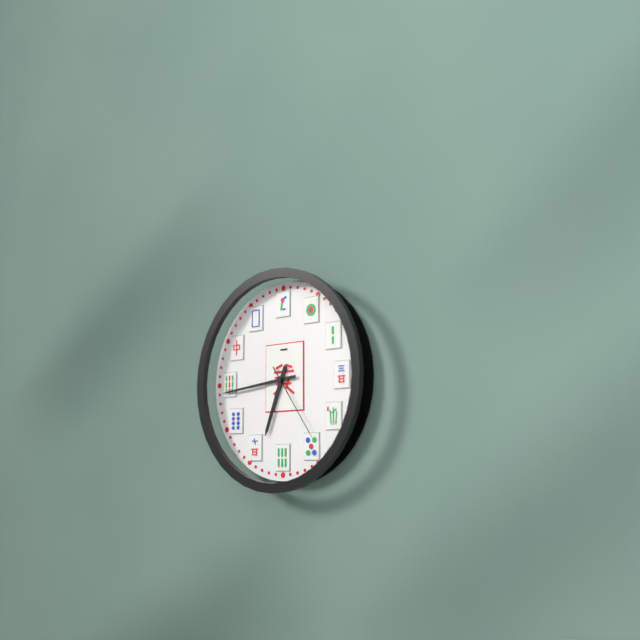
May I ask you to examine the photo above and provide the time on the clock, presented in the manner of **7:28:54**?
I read **6:44:24**
